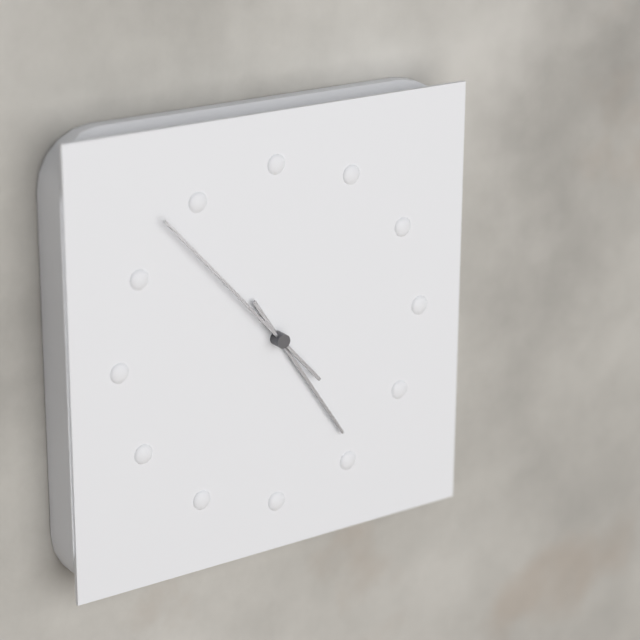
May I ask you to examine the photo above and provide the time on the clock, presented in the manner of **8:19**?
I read **4:53**
